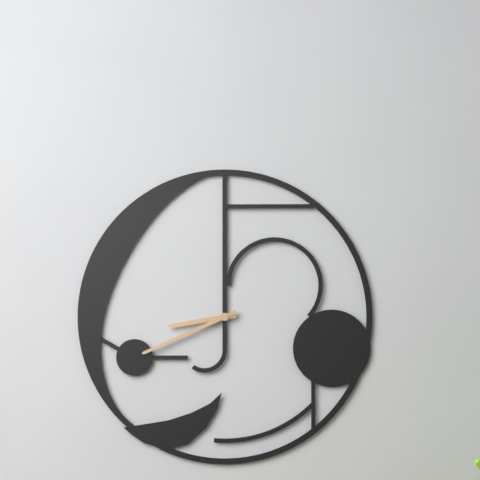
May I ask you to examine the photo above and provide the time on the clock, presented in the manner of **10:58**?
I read **8:41**
